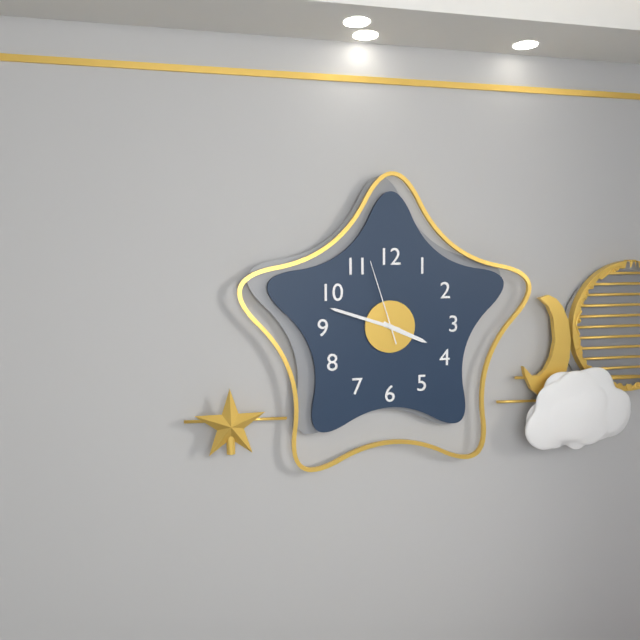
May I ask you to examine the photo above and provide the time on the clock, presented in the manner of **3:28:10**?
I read **3:48:57**
